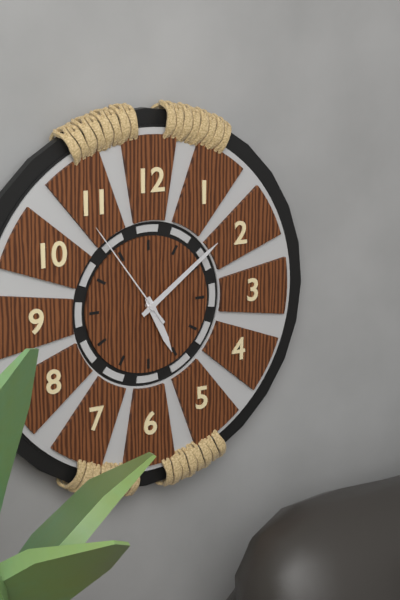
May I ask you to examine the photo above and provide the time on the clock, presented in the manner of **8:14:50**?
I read **5:09:54**
